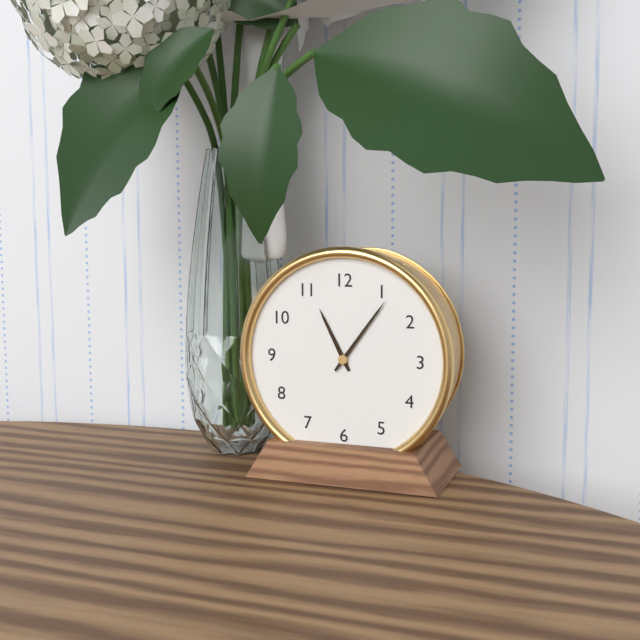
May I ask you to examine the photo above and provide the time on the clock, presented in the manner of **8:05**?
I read **11:06**
